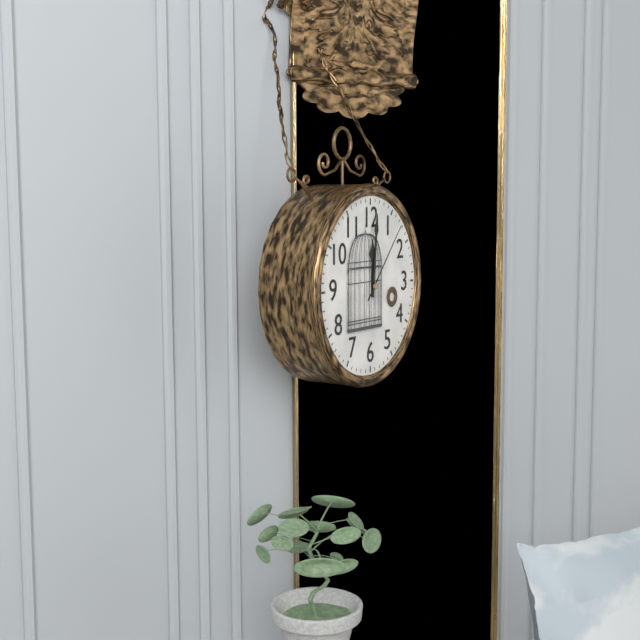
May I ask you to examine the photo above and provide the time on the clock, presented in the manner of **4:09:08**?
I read **12:01:07**
